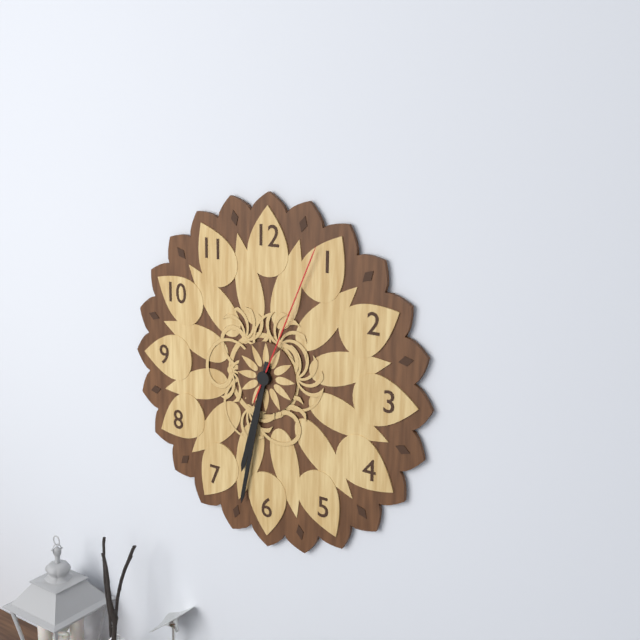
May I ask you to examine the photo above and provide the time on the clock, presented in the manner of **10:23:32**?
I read **6:32:04**
